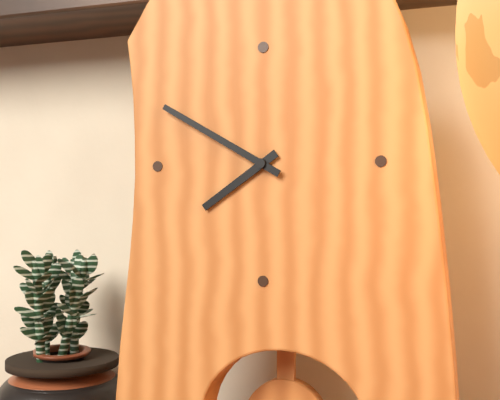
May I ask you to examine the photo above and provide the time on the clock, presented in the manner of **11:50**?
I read **7:50**
